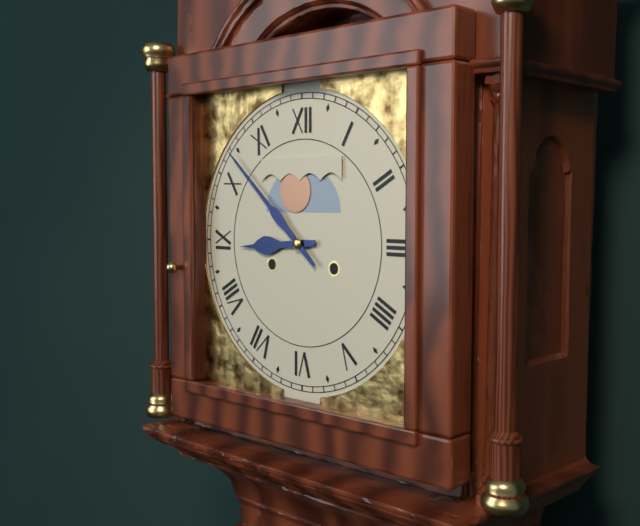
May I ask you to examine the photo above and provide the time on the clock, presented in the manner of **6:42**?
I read **8:52**
